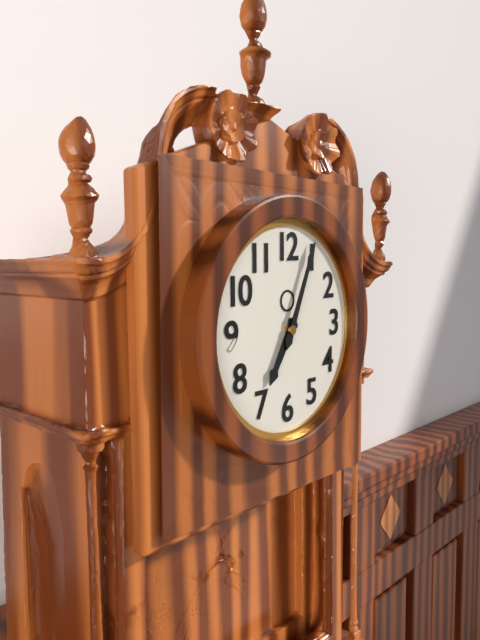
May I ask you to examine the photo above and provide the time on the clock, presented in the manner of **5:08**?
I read **7:04**
